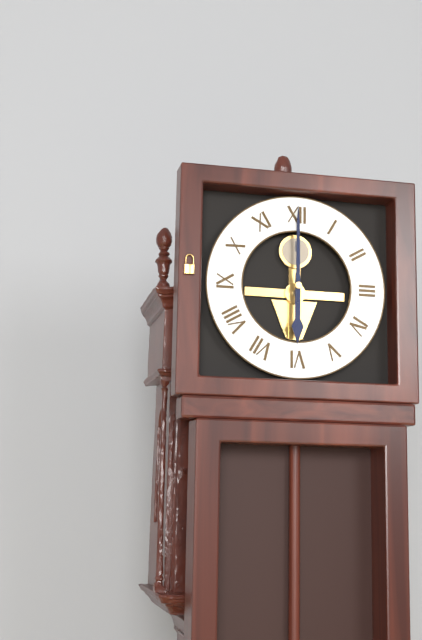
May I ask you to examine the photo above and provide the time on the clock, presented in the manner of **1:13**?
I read **6:00**
